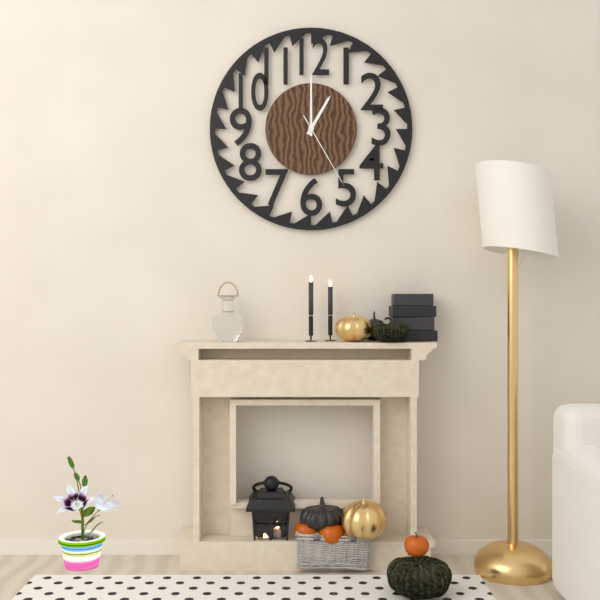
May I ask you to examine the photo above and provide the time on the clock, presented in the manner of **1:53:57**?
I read **1:00:25**
